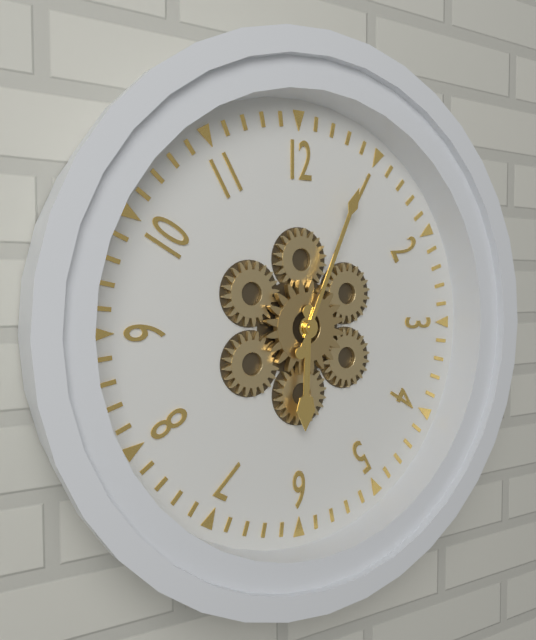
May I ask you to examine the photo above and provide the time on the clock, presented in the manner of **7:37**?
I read **6:04**
